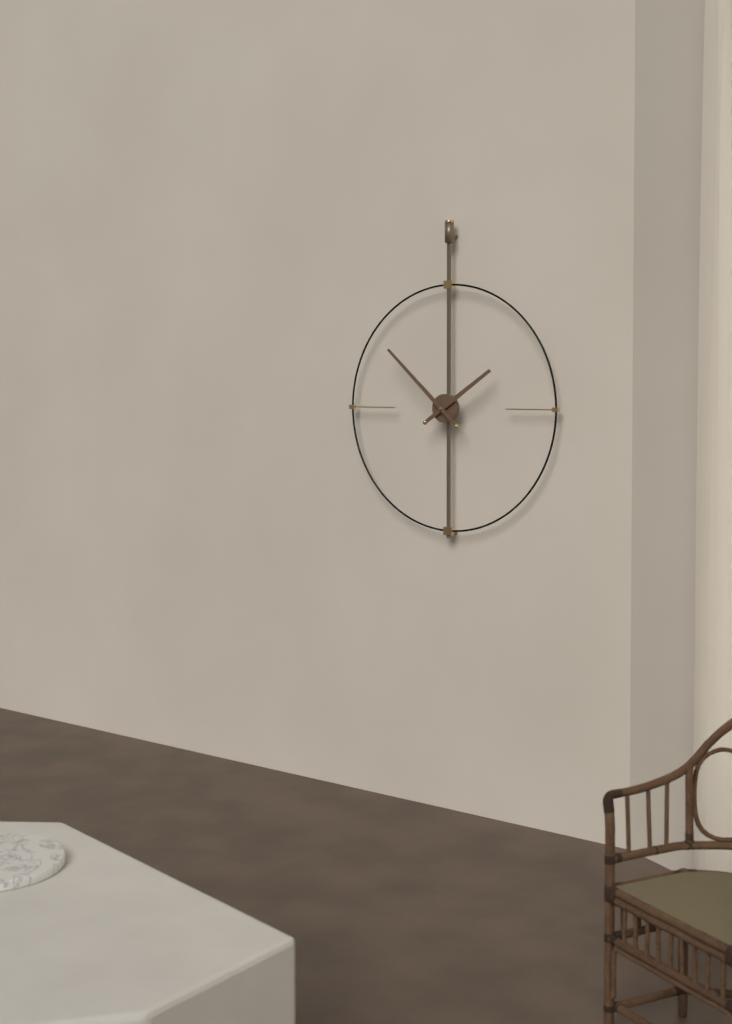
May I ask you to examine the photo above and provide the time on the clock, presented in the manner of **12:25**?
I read **1:52**
